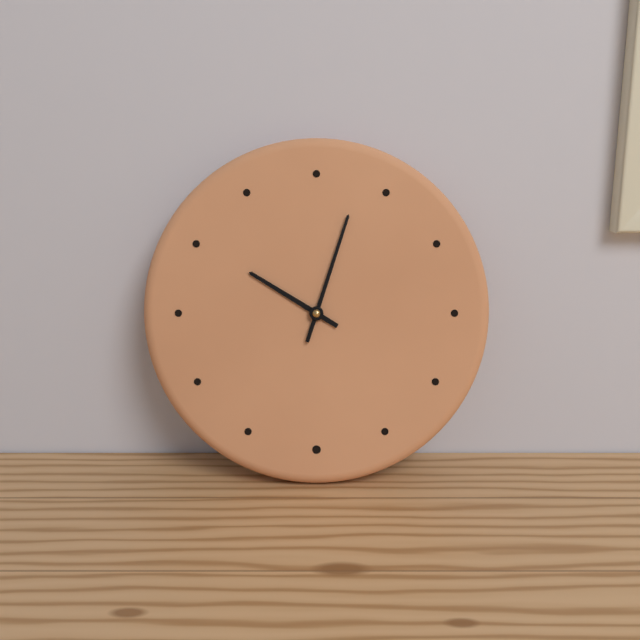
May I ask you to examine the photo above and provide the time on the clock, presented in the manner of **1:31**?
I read **10:03**
